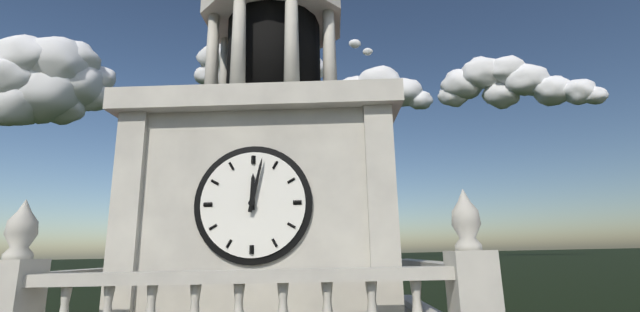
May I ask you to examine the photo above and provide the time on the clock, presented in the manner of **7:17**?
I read **12:02**
